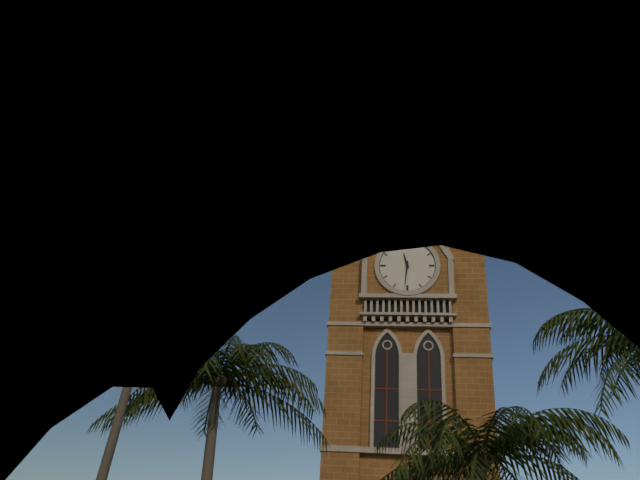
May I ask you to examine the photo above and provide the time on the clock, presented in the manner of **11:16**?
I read **11:31**
